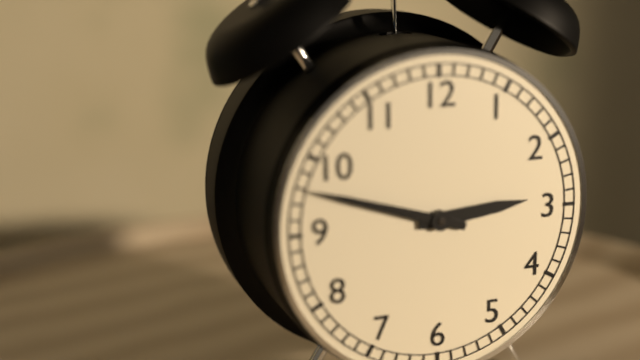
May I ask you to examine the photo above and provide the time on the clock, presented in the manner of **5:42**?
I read **2:48**
